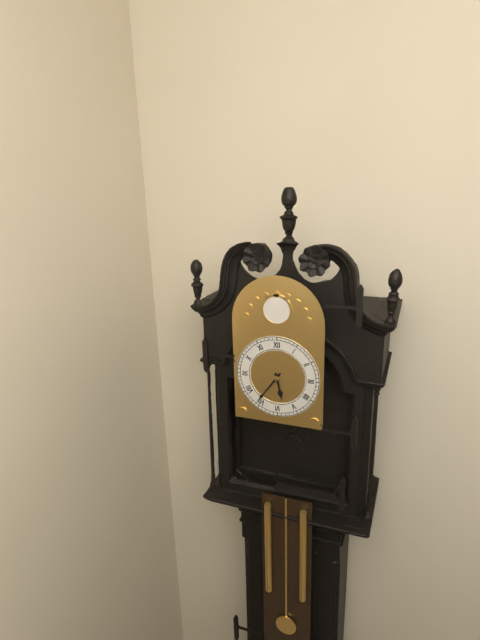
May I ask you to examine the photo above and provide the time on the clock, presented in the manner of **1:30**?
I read **5:36**
